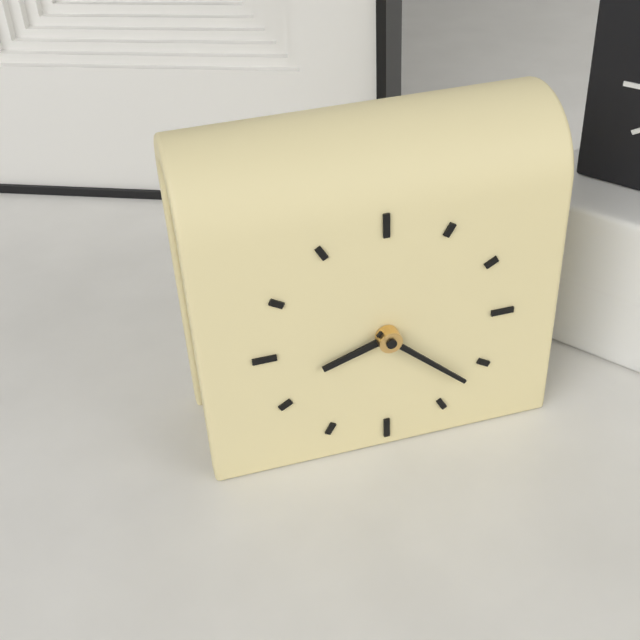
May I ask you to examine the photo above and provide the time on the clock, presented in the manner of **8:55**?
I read **8:22**
